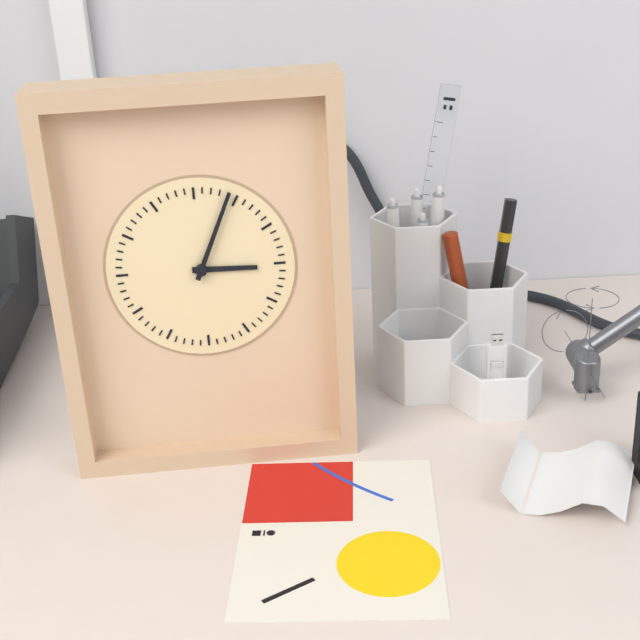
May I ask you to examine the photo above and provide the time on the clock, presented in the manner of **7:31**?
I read **3:04**
